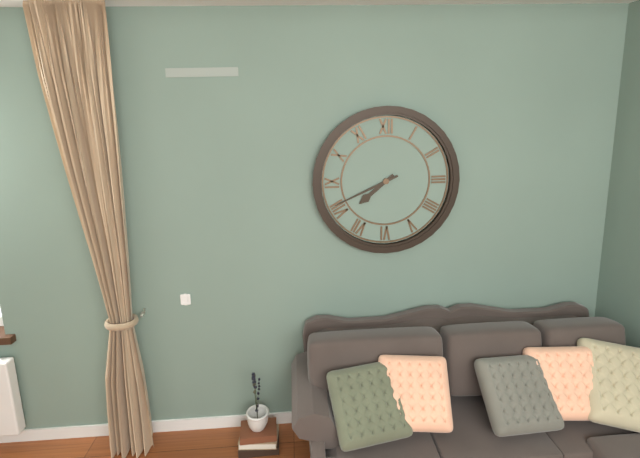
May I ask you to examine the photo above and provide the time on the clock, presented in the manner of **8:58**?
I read **7:41**
